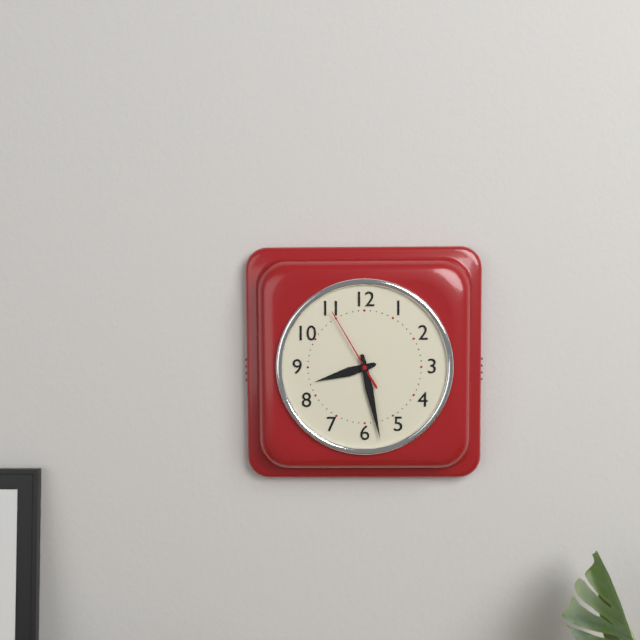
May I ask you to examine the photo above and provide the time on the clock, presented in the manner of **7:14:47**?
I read **8:28:55**
